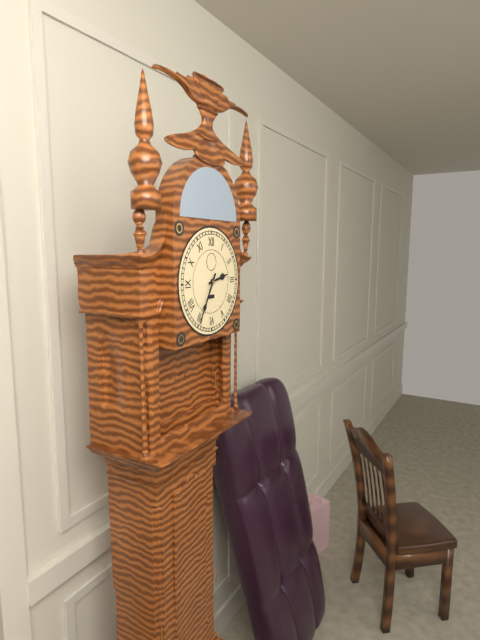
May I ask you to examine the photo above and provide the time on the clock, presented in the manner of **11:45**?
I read **2:35**
